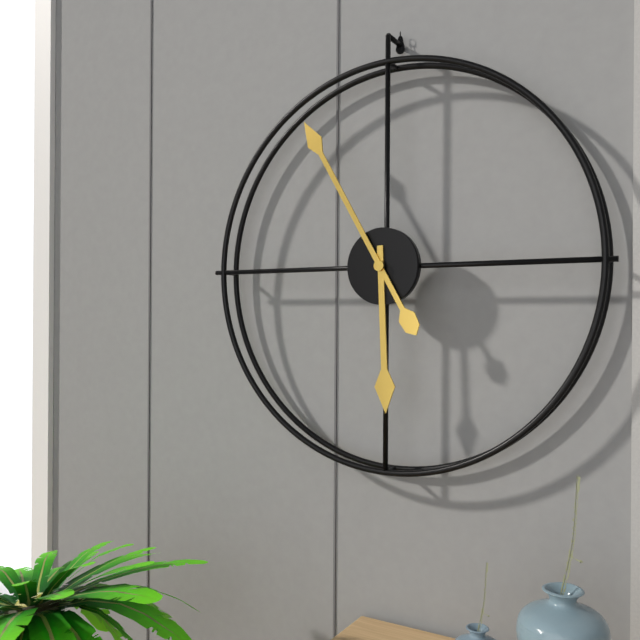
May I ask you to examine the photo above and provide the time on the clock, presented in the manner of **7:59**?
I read **5:55**
